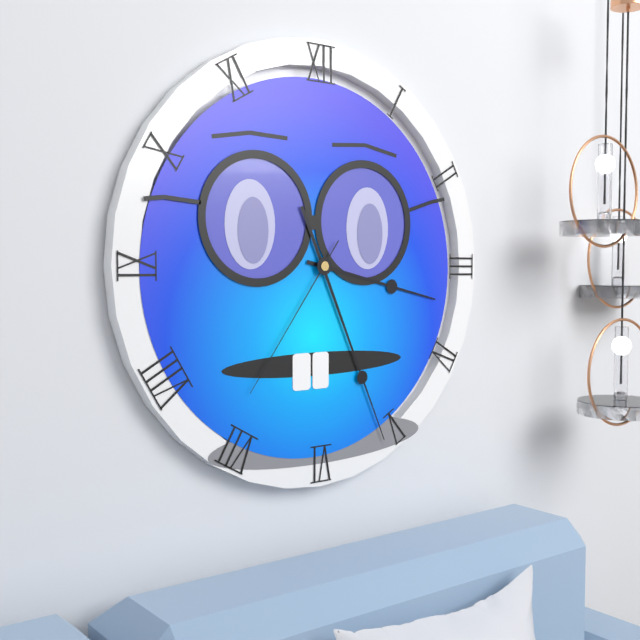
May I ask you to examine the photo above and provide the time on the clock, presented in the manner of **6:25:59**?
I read **3:26:36**
